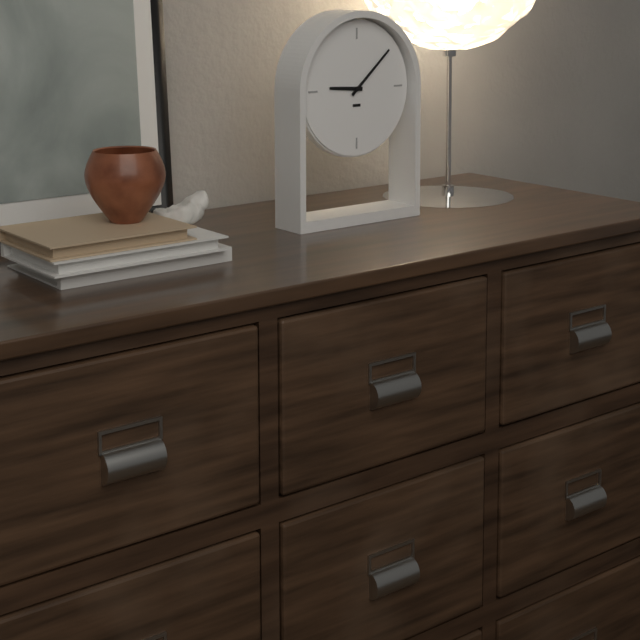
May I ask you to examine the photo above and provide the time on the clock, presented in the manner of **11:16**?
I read **9:08**
